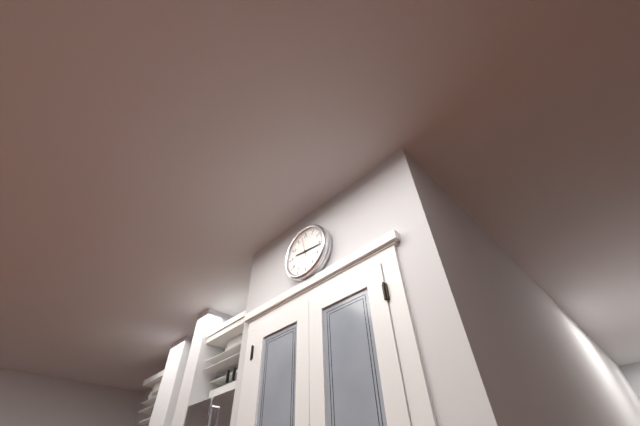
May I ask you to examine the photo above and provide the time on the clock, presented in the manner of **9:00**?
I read **9:16**
